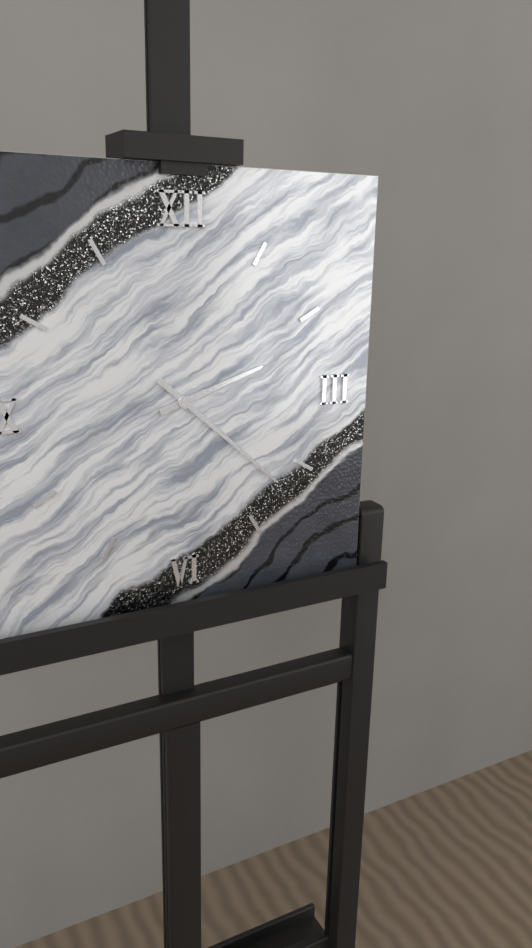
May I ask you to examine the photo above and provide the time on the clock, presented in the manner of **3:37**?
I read **2:22**
